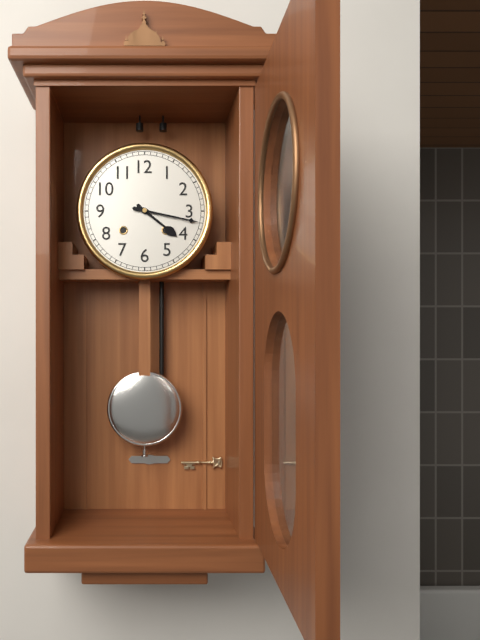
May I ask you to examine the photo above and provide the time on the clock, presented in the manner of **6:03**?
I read **4:17**
